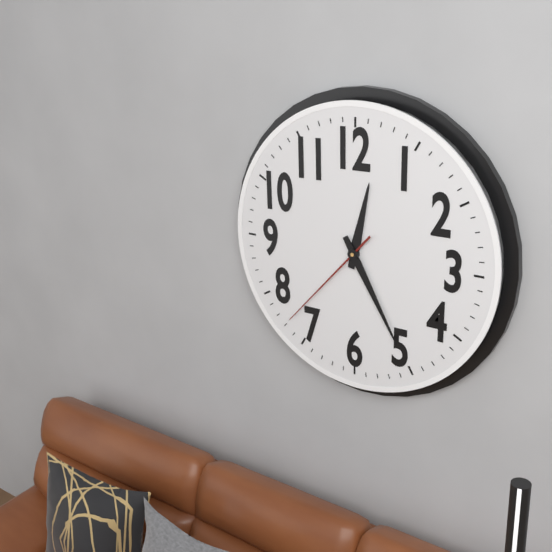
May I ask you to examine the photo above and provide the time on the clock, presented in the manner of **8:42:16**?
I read **12:25:37**
